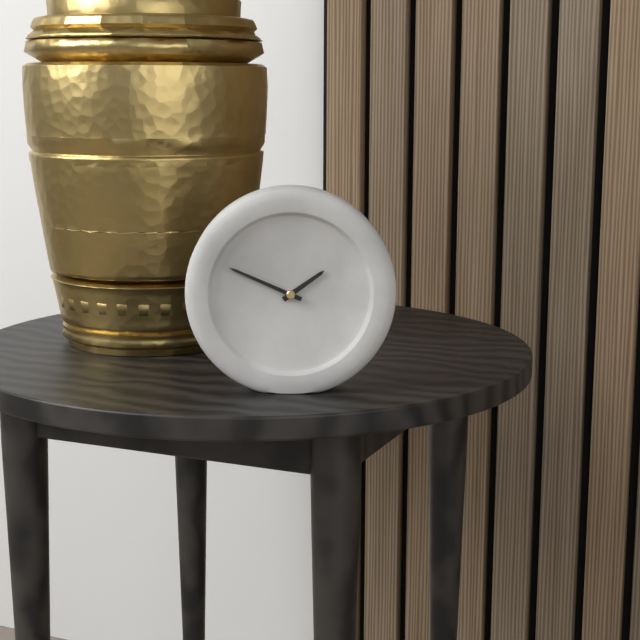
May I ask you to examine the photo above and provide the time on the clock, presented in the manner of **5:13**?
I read **1:49**
